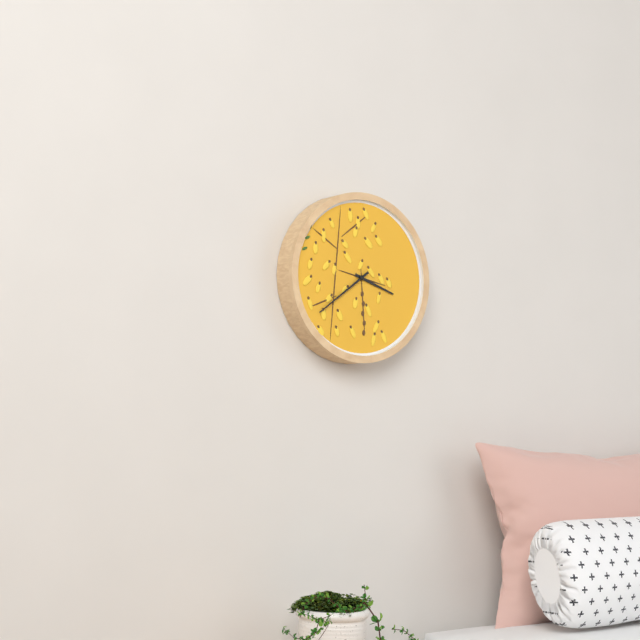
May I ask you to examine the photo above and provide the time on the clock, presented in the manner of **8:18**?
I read **3:39**
